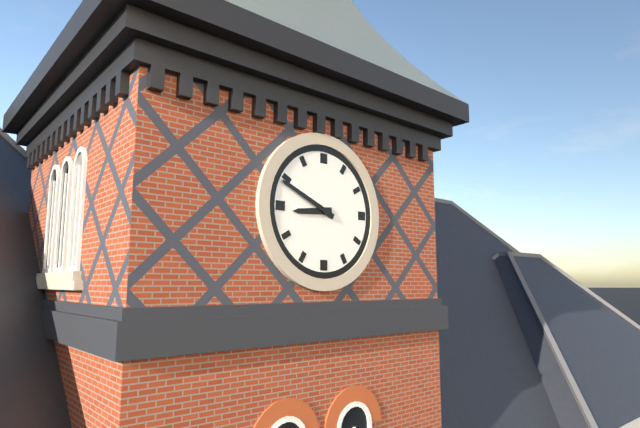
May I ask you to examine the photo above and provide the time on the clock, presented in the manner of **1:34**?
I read **8:49**
